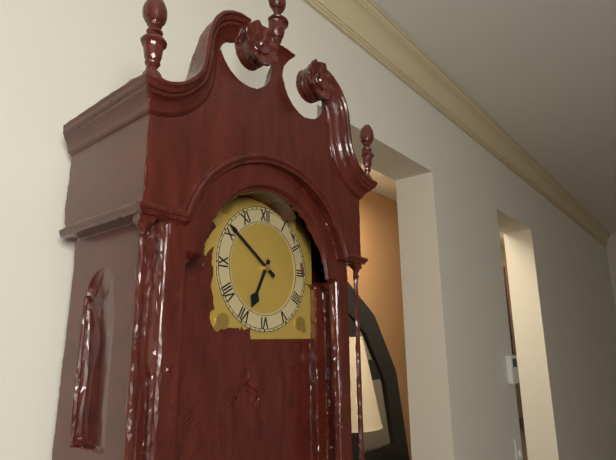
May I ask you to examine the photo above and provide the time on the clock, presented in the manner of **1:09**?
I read **6:51**
